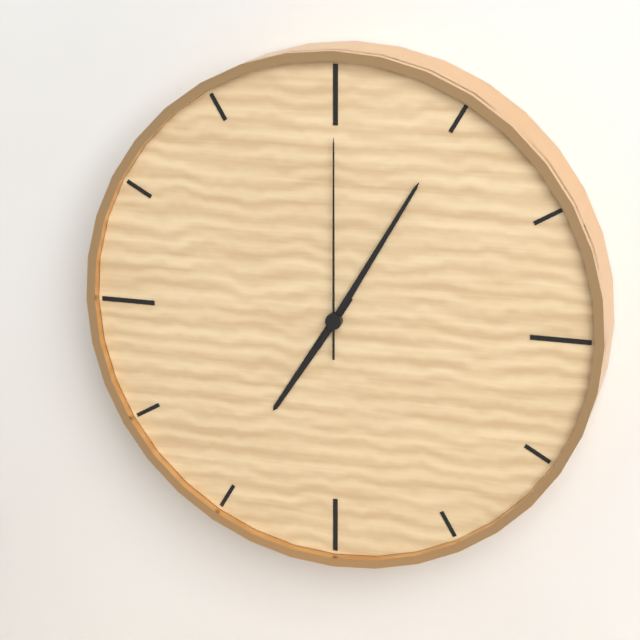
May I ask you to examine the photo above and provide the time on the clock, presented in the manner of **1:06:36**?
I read **7:05:00**
